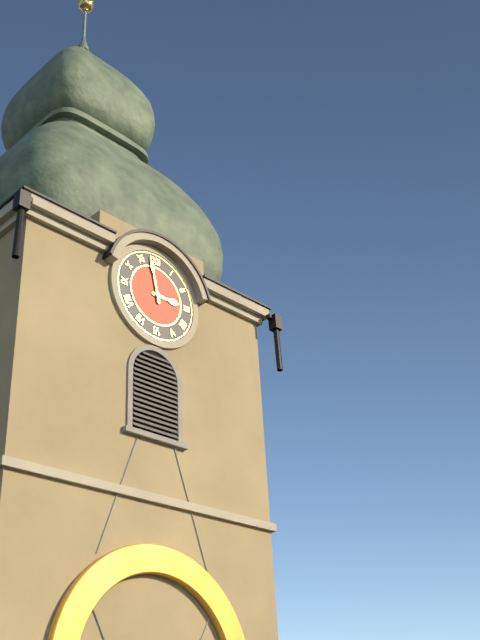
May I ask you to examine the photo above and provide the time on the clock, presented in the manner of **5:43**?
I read **2:58**
